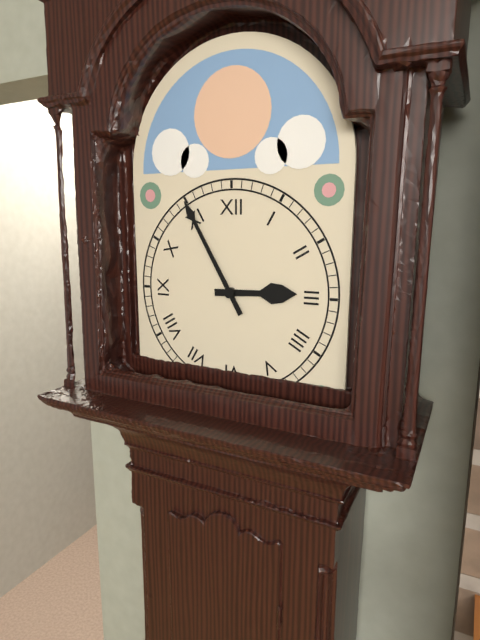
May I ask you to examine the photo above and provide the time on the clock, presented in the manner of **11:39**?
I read **2:55**
